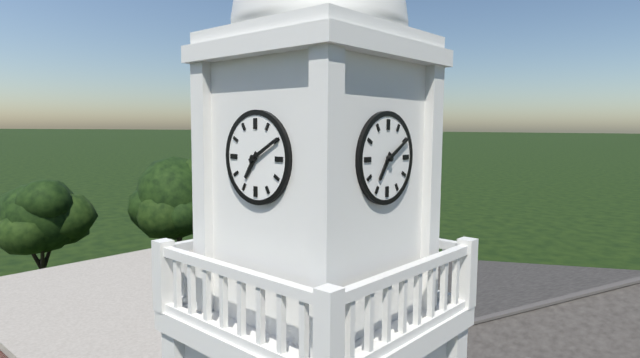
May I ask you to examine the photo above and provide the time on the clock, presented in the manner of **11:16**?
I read **7:10**
